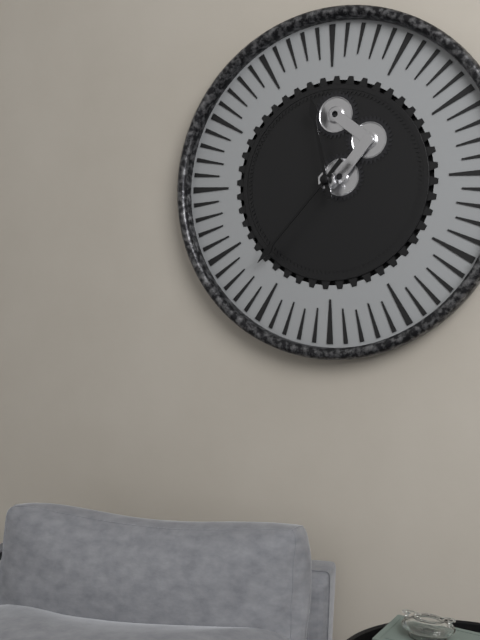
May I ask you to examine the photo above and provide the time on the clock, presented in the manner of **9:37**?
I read **11:37**
